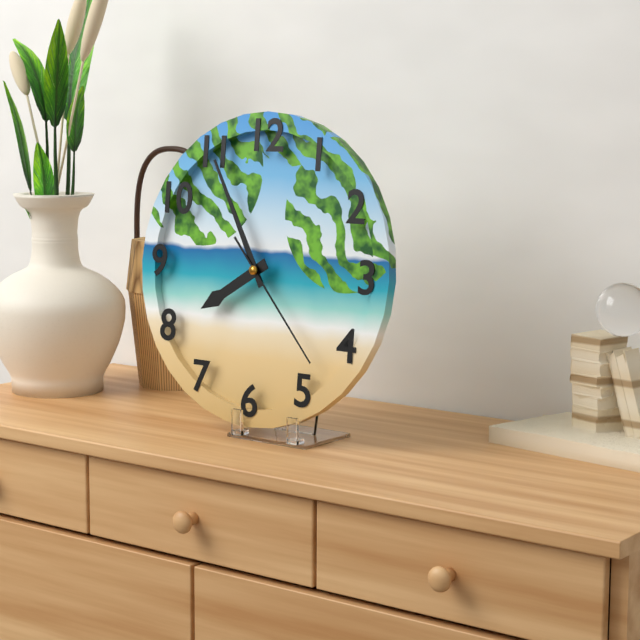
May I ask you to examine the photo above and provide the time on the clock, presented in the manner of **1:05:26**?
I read **7:55:23**
